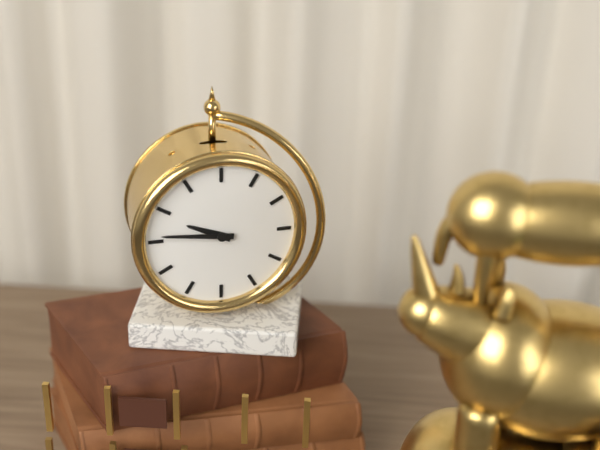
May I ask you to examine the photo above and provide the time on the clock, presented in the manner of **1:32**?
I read **9:46**
